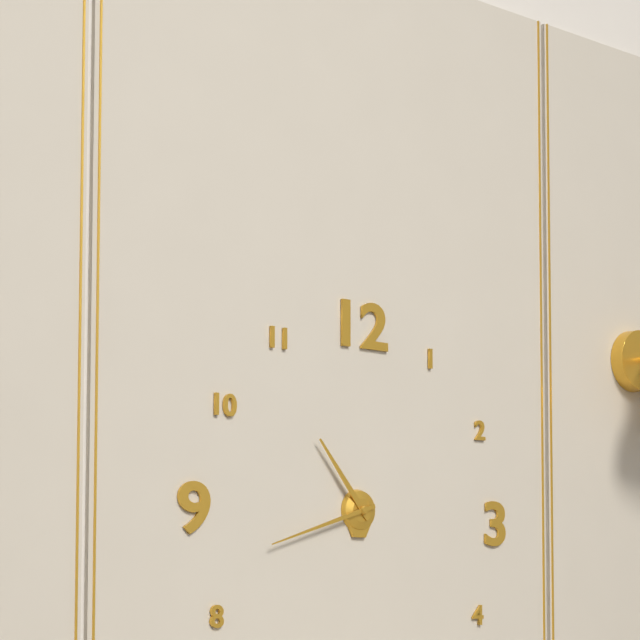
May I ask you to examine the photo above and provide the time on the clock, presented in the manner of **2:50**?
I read **10:42**
